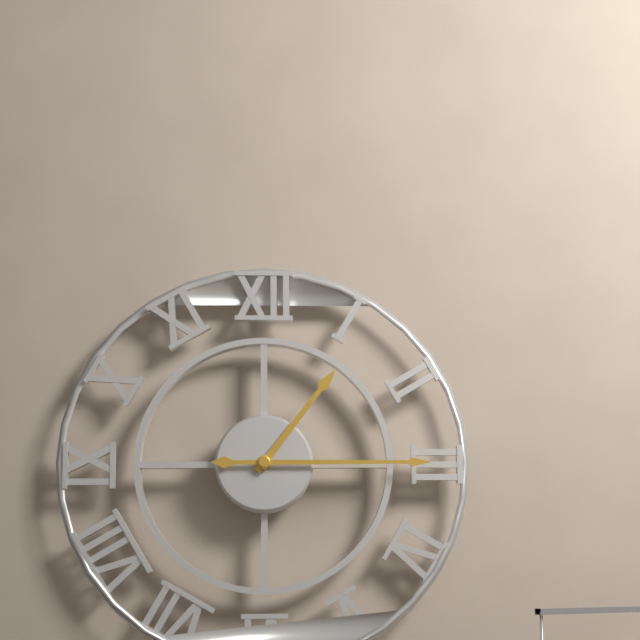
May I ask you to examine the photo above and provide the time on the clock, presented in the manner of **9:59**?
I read **1:15**
